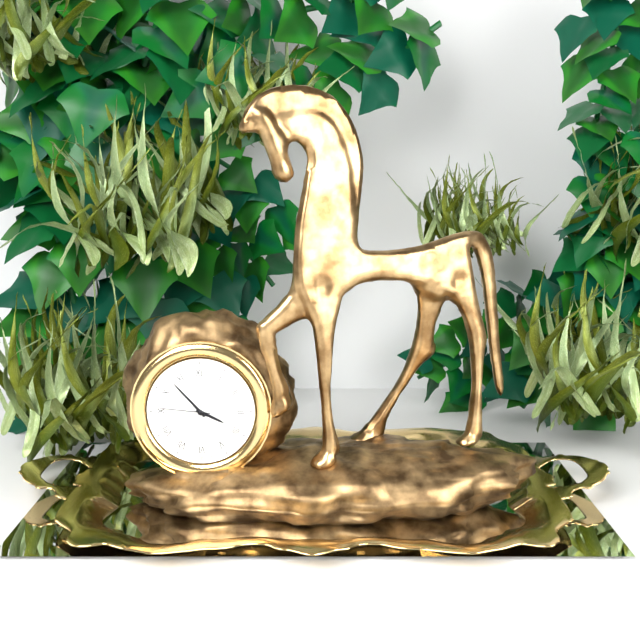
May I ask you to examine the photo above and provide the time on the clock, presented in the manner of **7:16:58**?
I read **3:53:46**
